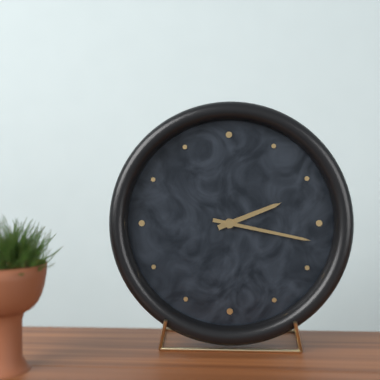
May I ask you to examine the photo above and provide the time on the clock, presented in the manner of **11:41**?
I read **2:17**
